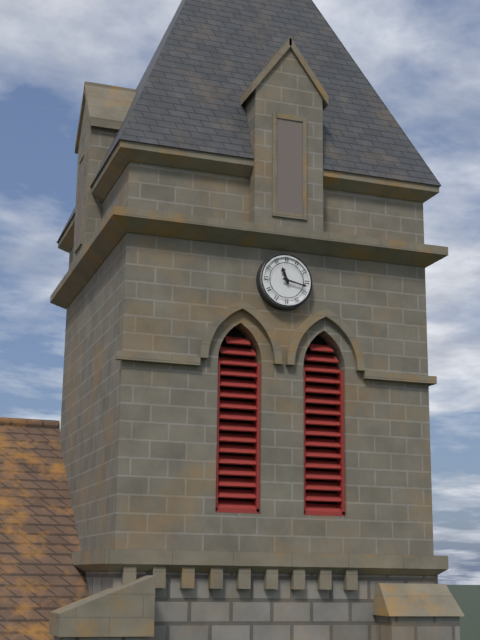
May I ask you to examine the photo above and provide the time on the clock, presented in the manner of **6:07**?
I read **11:17**
